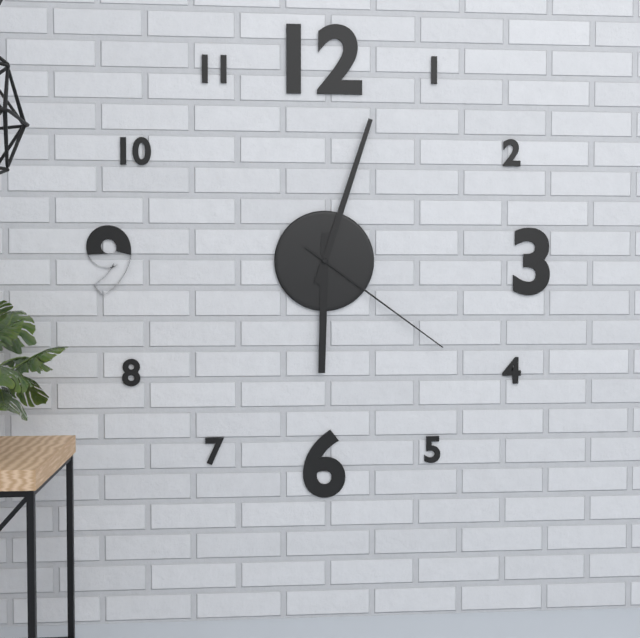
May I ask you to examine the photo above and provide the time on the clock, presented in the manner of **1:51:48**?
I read **6:03:21**
